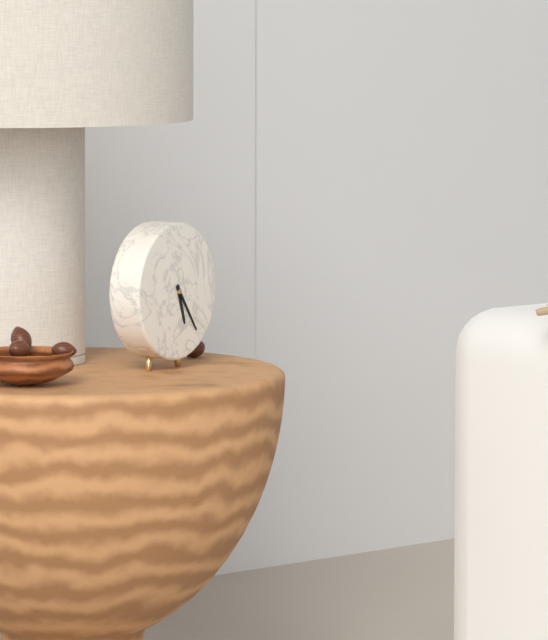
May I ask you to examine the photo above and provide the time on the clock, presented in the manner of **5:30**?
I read **5:24**
